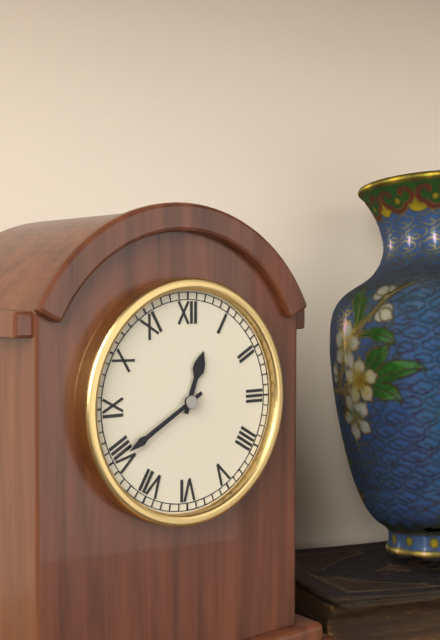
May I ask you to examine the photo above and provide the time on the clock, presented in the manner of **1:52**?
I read **12:40**
